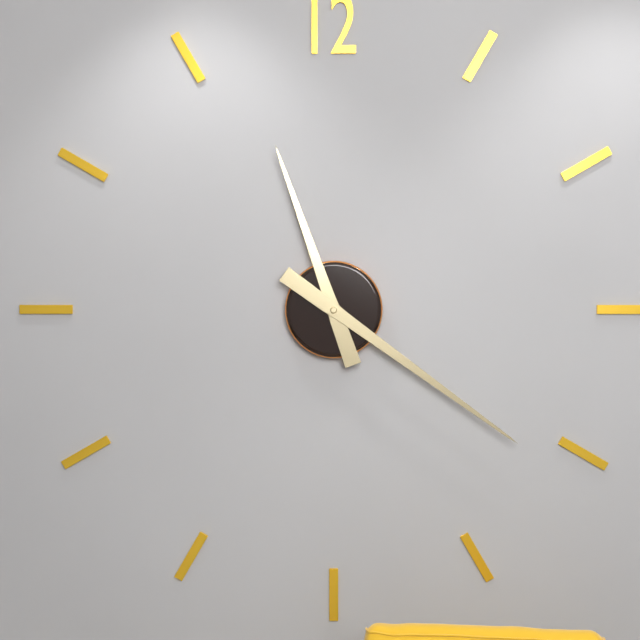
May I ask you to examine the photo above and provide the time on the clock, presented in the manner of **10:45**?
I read **11:21**
